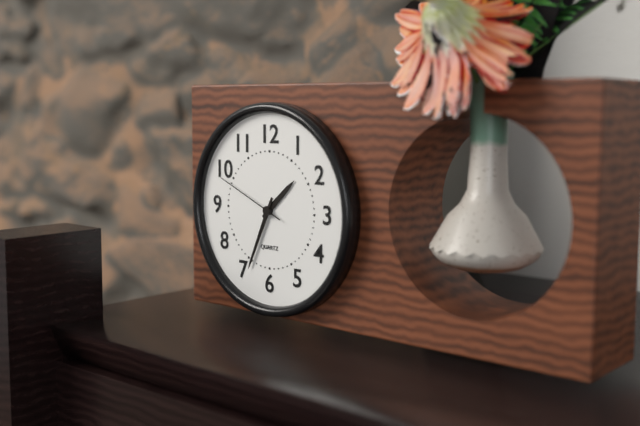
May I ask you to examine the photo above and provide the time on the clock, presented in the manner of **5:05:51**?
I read **1:34:49**
